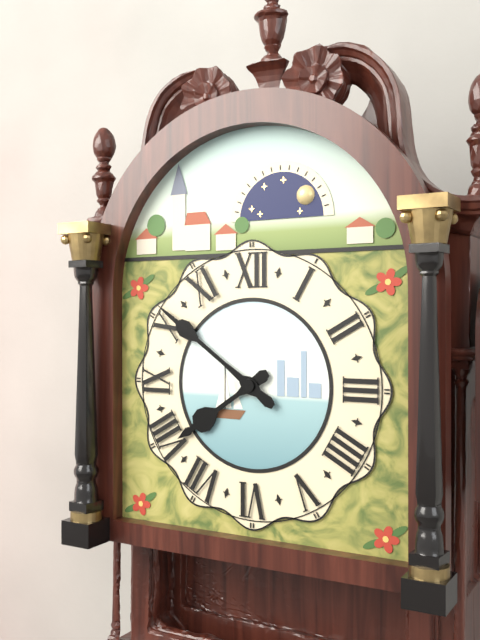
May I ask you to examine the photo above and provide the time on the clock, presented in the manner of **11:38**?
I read **7:51**
